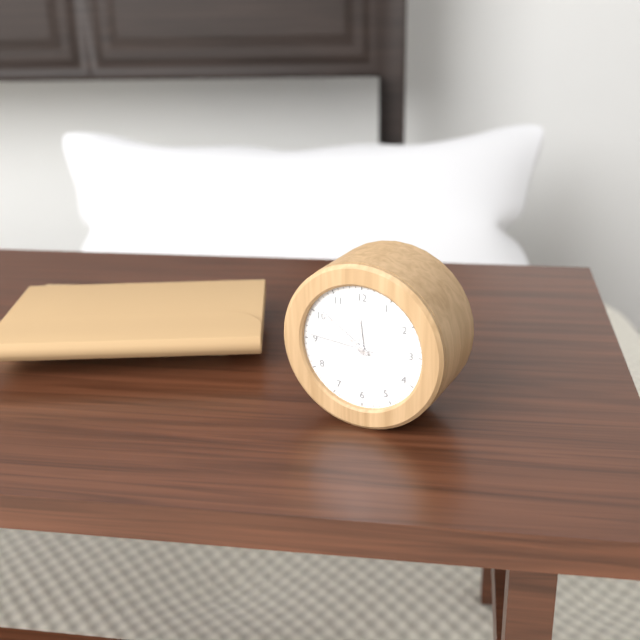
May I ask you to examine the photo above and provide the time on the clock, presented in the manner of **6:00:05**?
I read **11:51:46**
